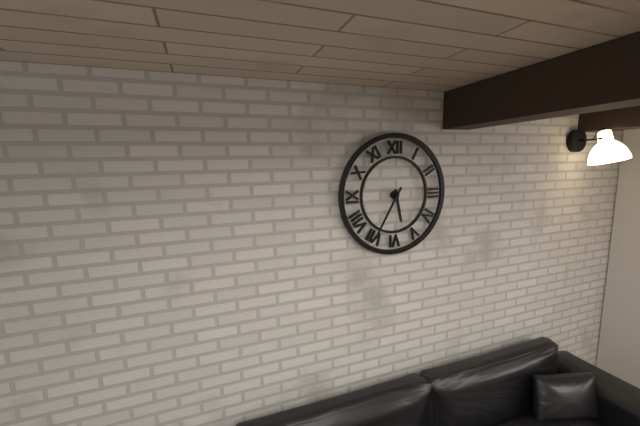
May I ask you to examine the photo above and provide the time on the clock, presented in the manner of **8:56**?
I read **5:35**
